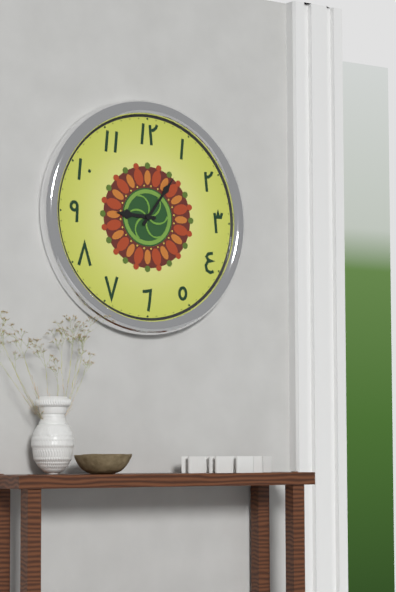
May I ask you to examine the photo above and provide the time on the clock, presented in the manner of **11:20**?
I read **9:06**
